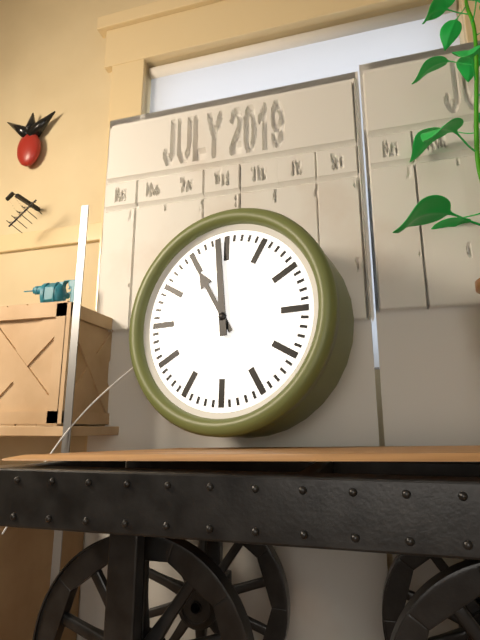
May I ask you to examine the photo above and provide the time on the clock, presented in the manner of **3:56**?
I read **10:59**
